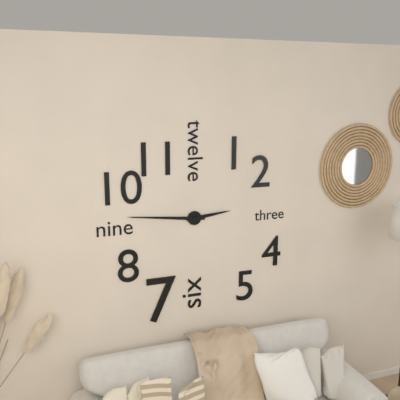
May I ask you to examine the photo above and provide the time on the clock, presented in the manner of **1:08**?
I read **2:46**
